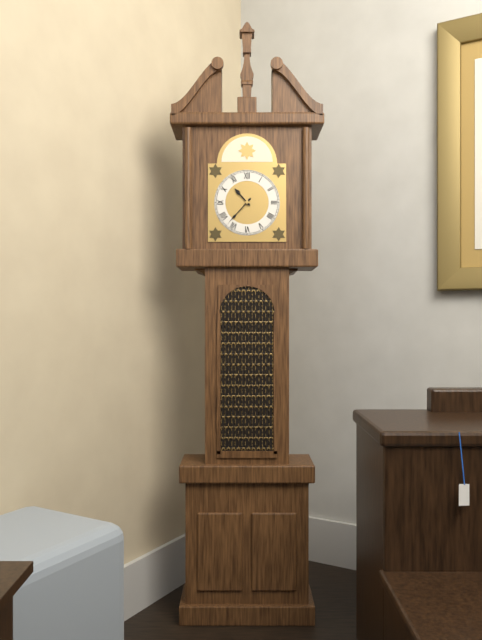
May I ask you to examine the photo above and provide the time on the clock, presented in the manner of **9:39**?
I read **10:37**
